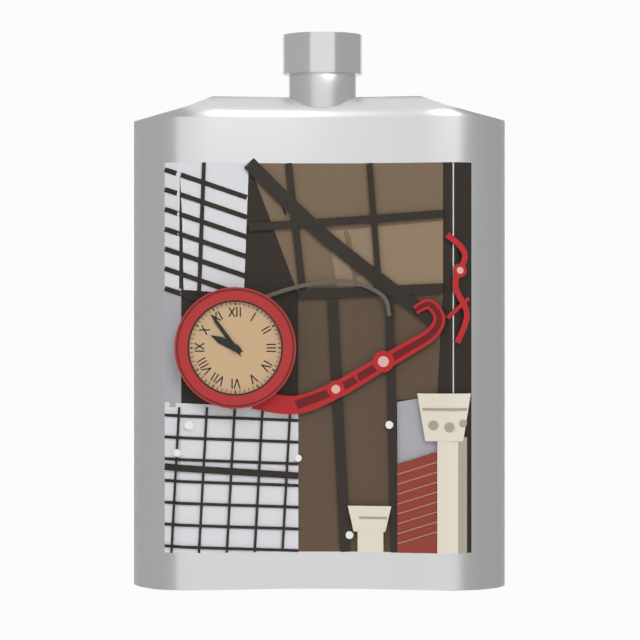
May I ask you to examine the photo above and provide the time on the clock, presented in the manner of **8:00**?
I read **9:54**
